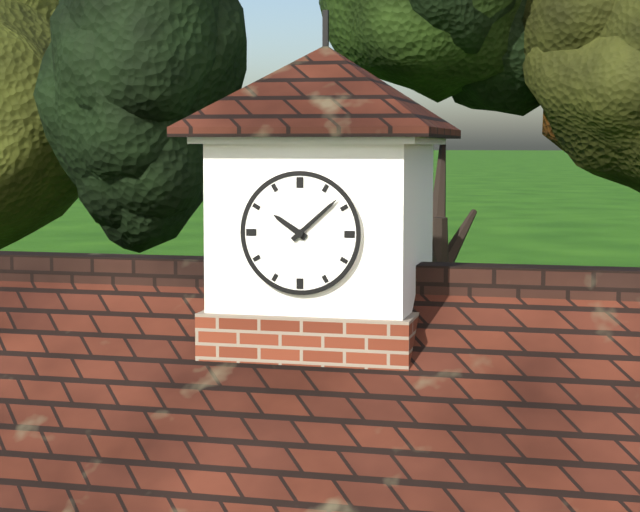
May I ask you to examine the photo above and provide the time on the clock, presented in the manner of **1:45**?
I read **10:08**
